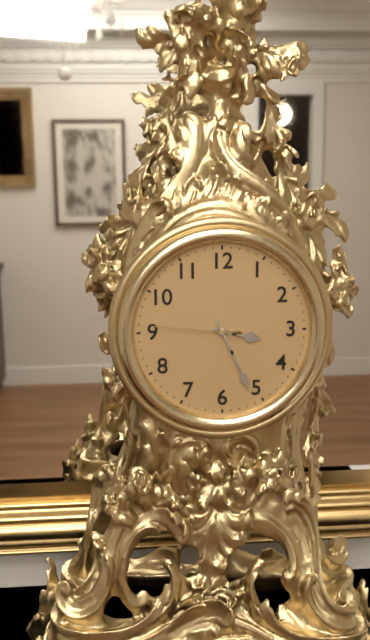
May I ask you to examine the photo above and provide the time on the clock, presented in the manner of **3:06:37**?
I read **3:26:46**
